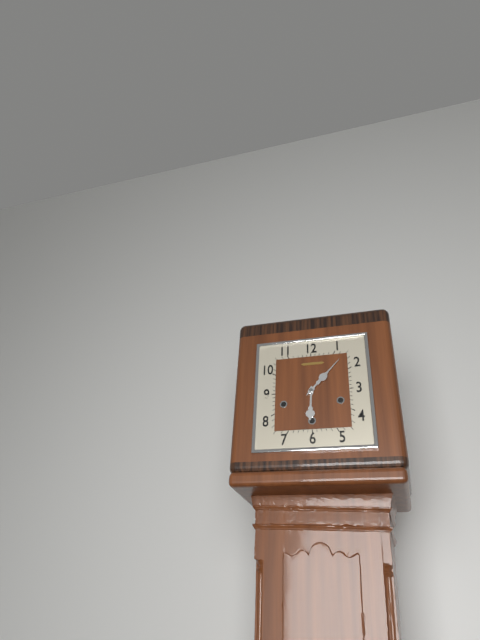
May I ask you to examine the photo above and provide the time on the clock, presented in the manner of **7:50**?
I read **6:07**
